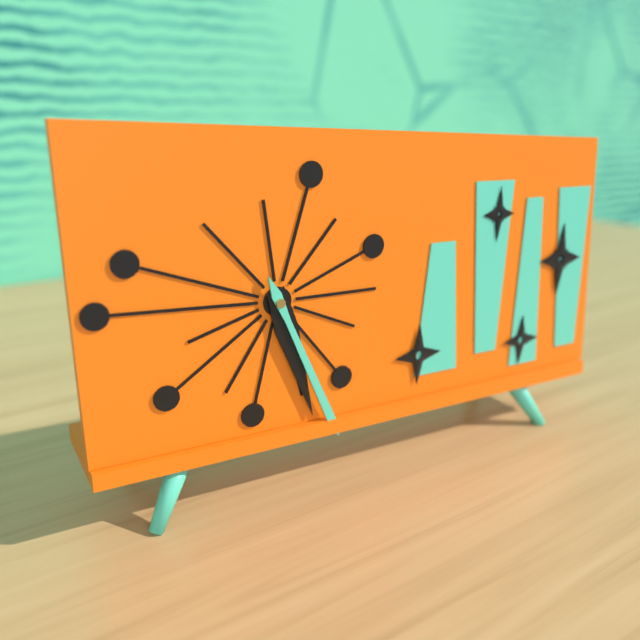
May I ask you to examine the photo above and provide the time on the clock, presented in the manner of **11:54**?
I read **5:26**
